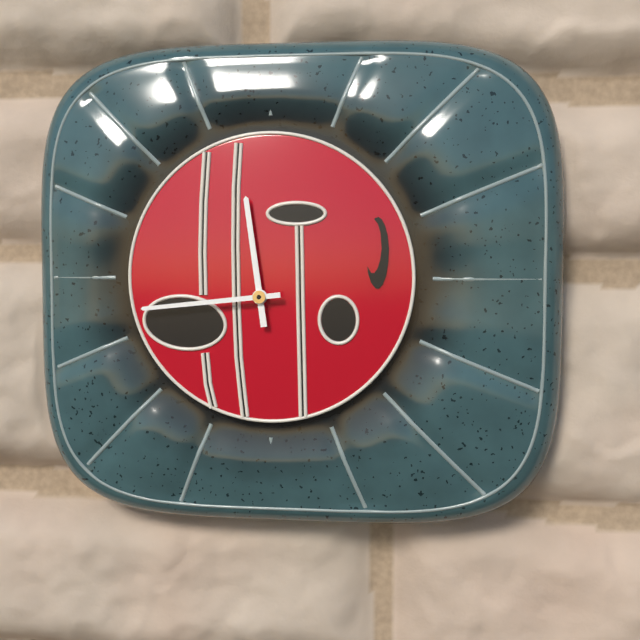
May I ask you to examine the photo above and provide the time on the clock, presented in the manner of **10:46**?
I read **11:44**
